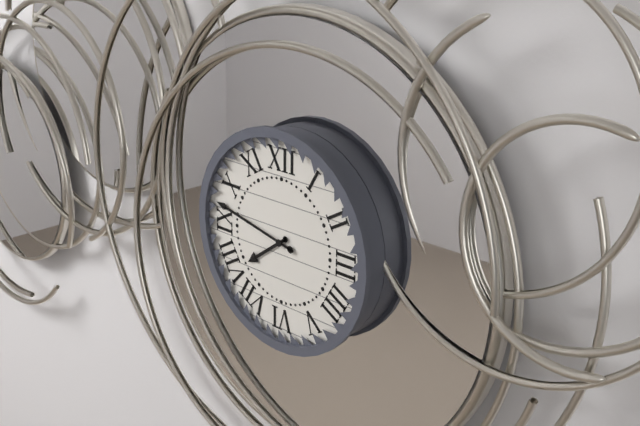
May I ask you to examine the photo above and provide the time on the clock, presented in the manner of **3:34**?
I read **7:47**
